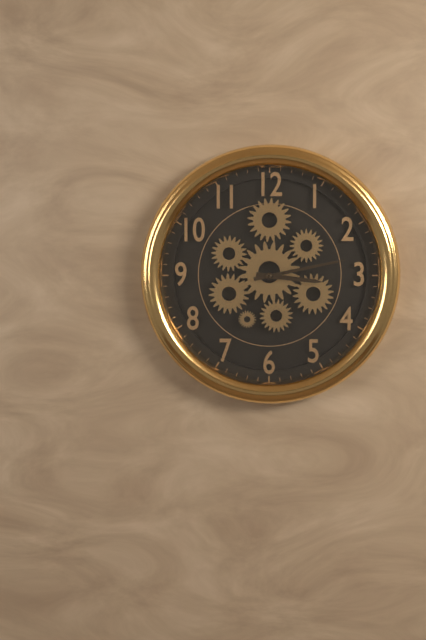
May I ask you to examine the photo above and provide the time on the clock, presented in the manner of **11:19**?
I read **3:13**
